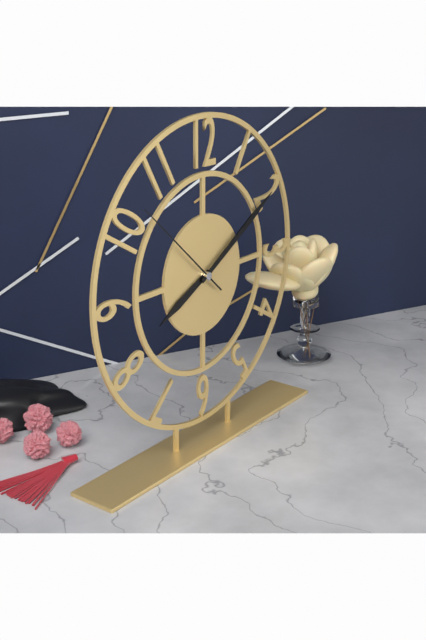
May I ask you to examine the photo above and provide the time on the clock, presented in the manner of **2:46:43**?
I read **8:10:52**
